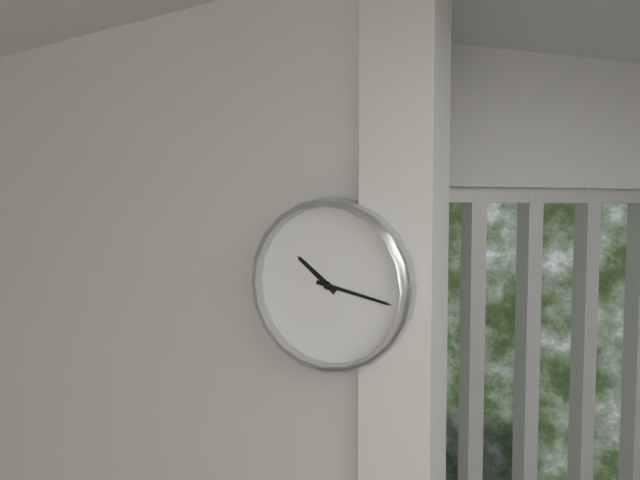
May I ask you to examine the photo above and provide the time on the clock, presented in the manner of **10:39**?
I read **10:17**
